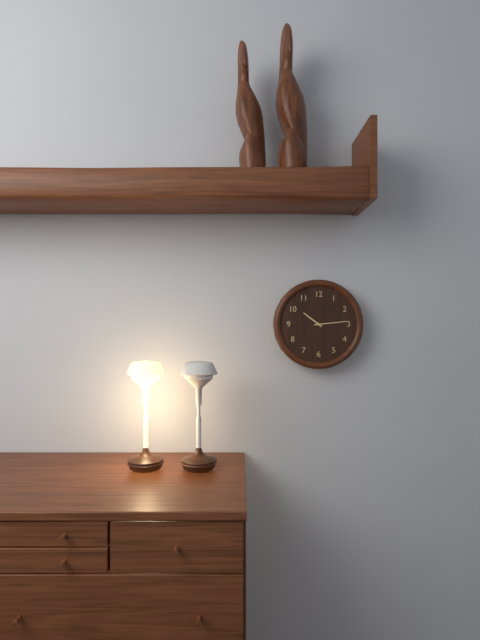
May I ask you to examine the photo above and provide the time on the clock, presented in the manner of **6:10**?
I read **10:14**
